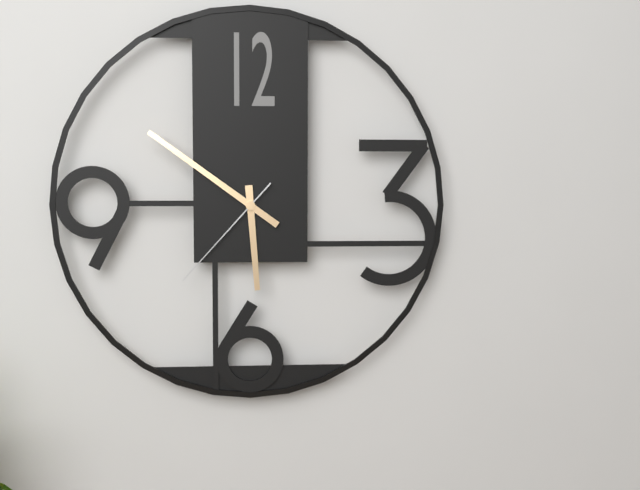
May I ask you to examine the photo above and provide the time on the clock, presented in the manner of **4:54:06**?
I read **5:51:37**
